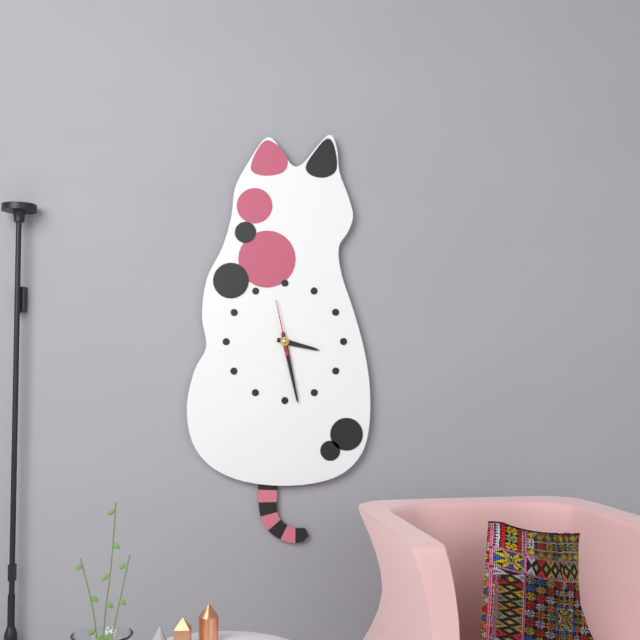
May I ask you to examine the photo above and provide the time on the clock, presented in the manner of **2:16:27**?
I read **3:28:58**
